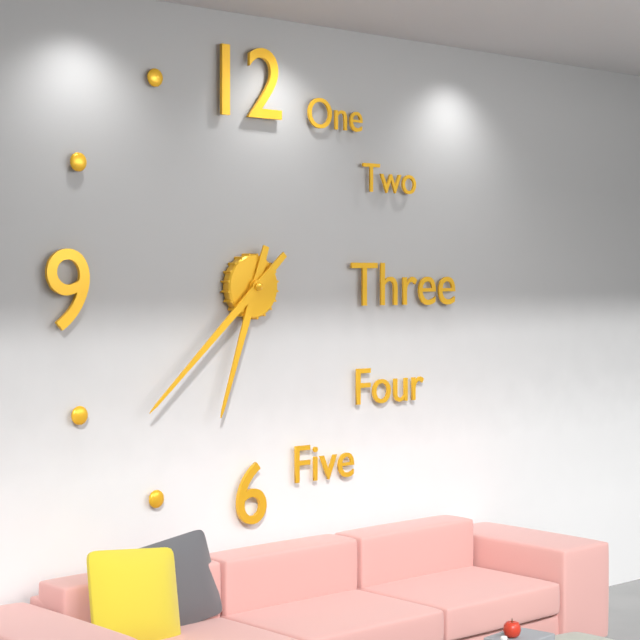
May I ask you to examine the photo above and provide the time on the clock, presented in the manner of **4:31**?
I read **6:38**
